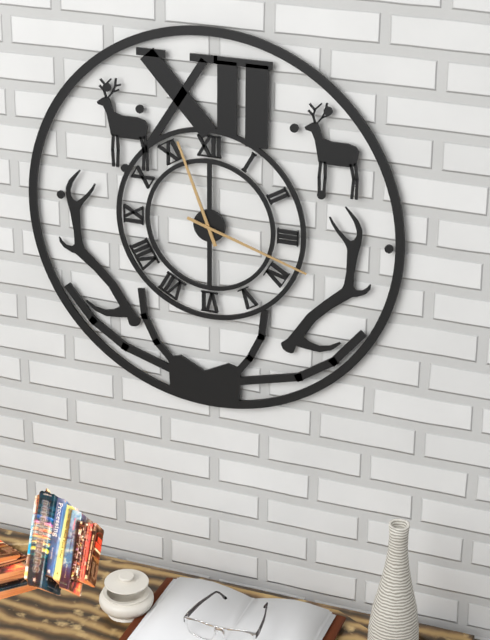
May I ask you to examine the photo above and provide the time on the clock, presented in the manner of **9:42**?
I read **11:18**
